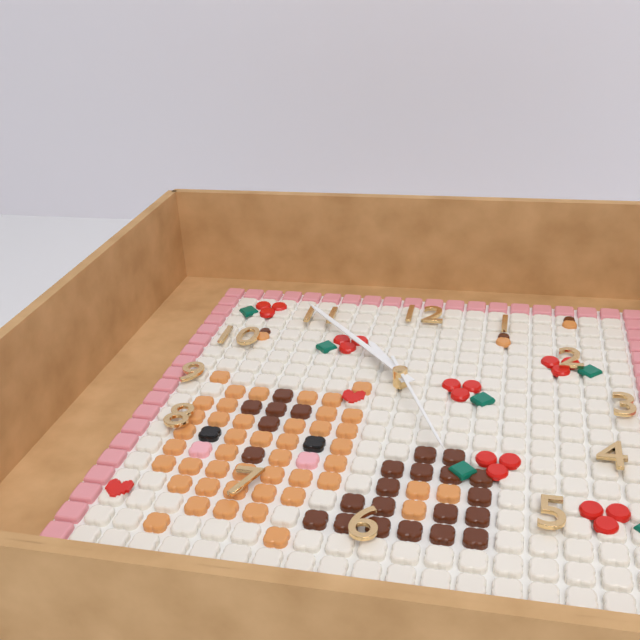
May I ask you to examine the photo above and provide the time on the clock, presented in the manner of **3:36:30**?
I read **10:53:26**
